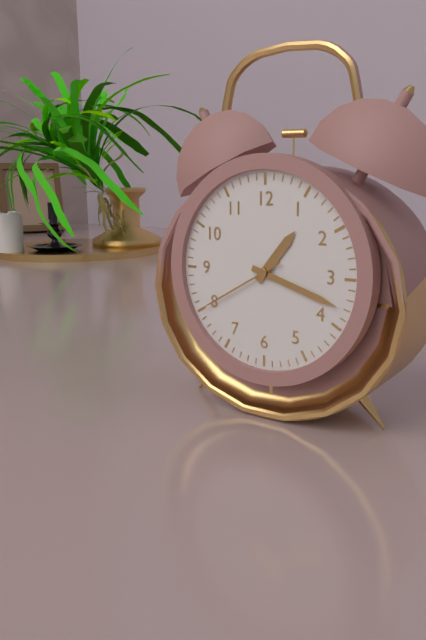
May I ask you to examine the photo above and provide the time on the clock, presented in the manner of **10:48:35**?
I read **1:18:40**
